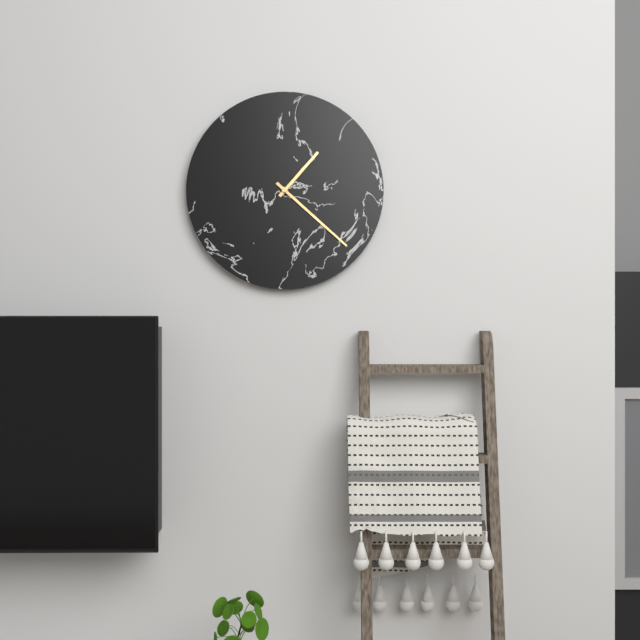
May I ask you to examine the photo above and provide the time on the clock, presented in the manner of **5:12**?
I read **1:22**
